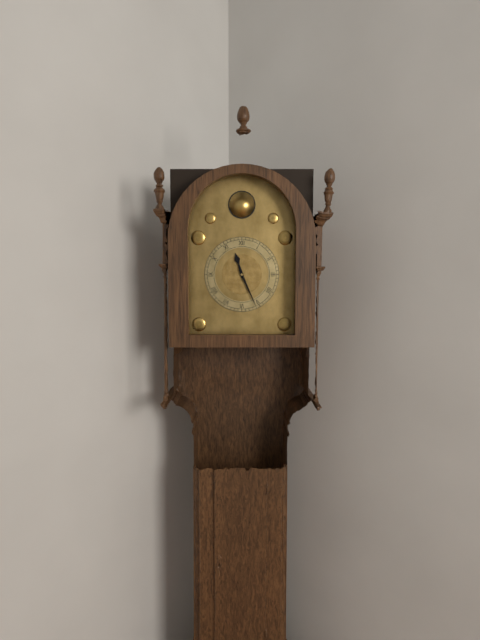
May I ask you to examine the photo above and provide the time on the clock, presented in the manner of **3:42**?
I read **11:26**
